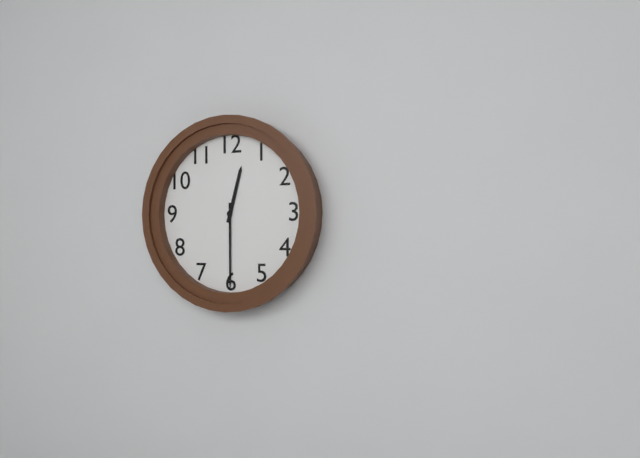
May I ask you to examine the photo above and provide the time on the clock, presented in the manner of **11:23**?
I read **12:30**
